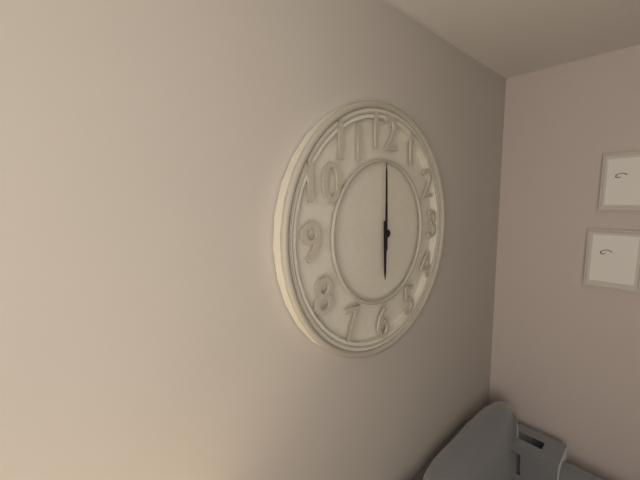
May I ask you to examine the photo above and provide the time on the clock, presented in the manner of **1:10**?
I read **6:00**
